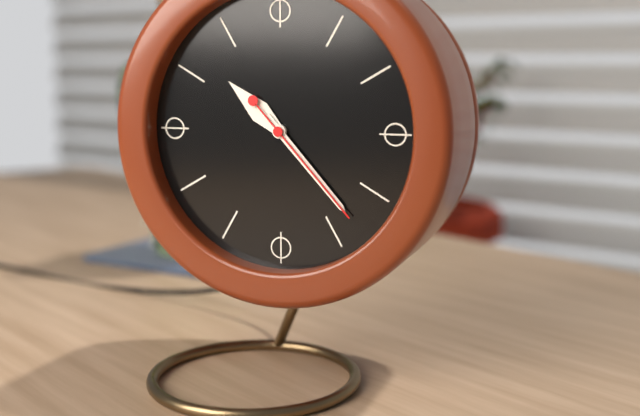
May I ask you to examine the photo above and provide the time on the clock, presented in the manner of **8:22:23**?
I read **10:23:23**
